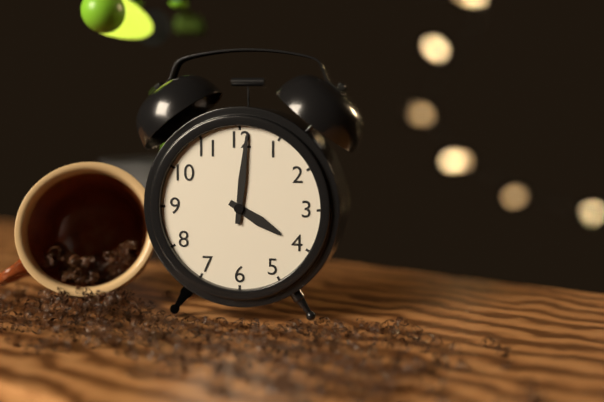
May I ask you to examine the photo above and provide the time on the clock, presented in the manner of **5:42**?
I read **4:01**
